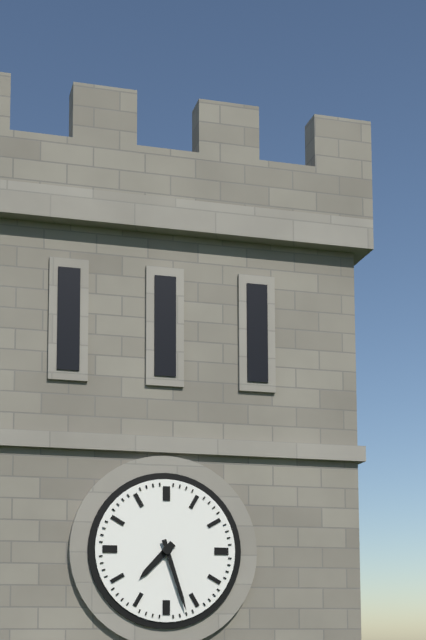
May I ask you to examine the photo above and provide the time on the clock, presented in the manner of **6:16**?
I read **7:27**
